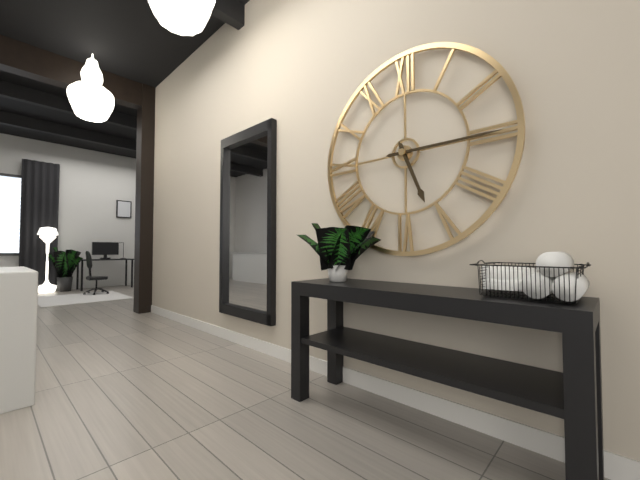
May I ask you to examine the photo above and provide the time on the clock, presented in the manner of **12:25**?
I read **5:15**
